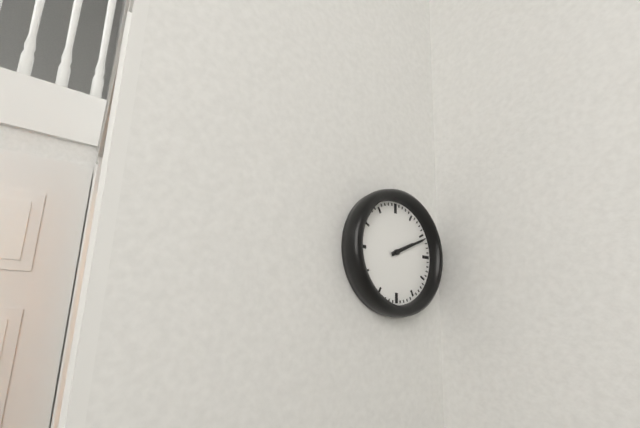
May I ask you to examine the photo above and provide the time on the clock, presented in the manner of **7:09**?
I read **2:11**
